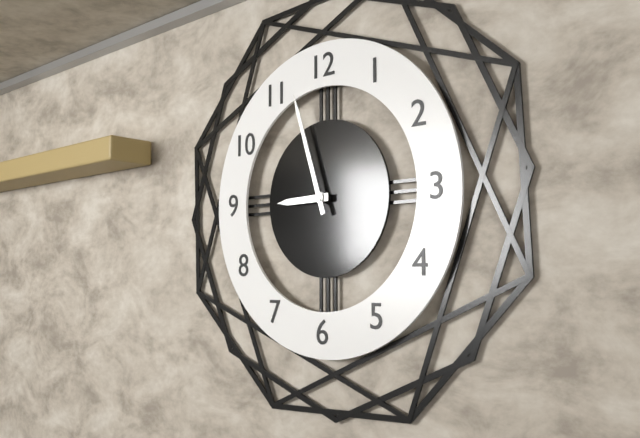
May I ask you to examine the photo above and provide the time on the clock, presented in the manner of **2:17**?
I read **8:57**
